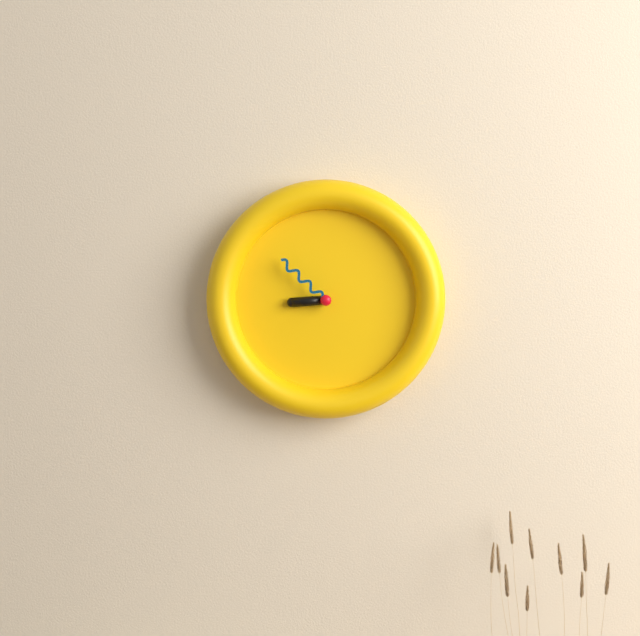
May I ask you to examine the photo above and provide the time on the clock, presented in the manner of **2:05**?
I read **8:52**
